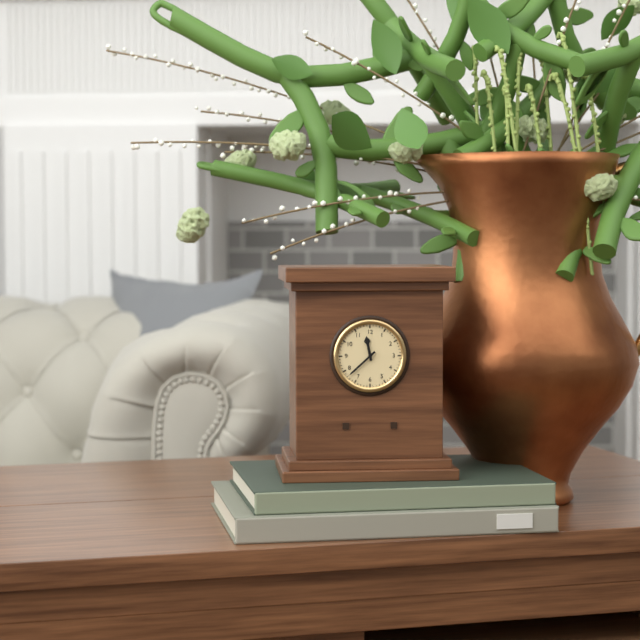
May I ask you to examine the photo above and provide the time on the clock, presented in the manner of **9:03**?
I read **11:38**
